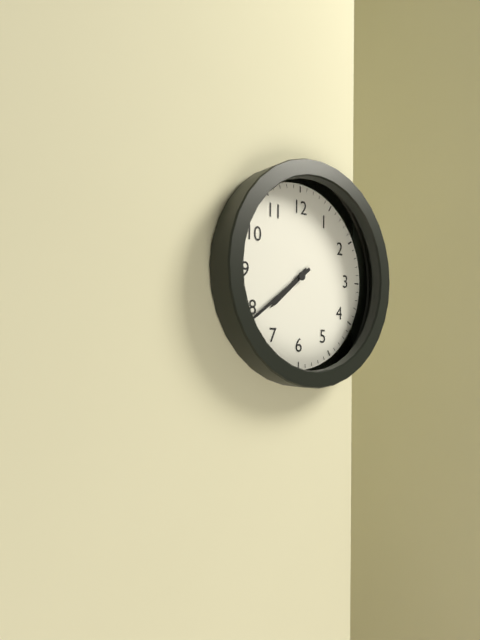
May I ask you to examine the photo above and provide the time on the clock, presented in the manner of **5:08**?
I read **7:39**
